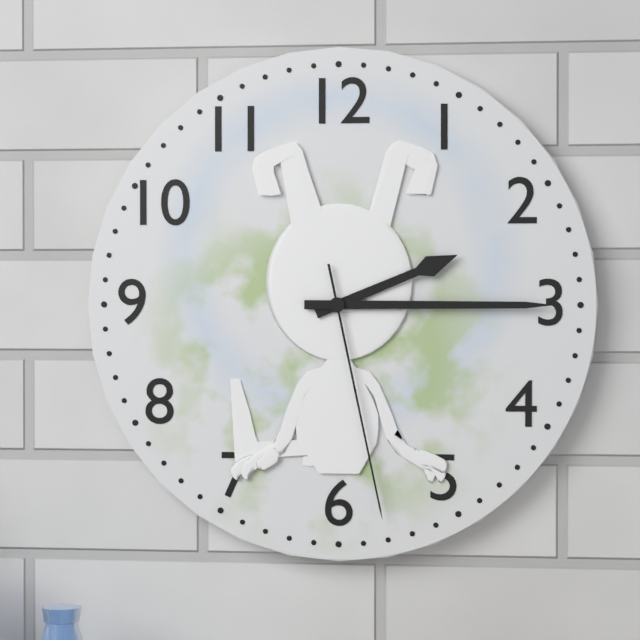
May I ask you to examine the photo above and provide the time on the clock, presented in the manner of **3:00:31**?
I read **2:15:28**
